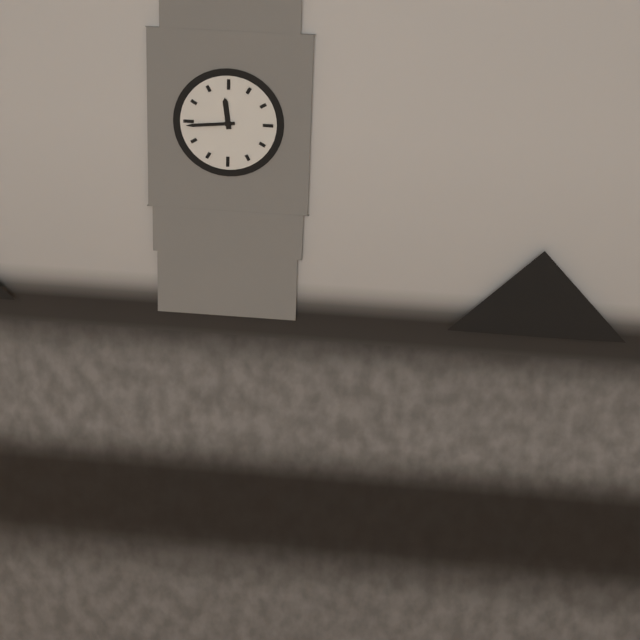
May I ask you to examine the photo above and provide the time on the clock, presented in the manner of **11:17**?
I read **11:44**
